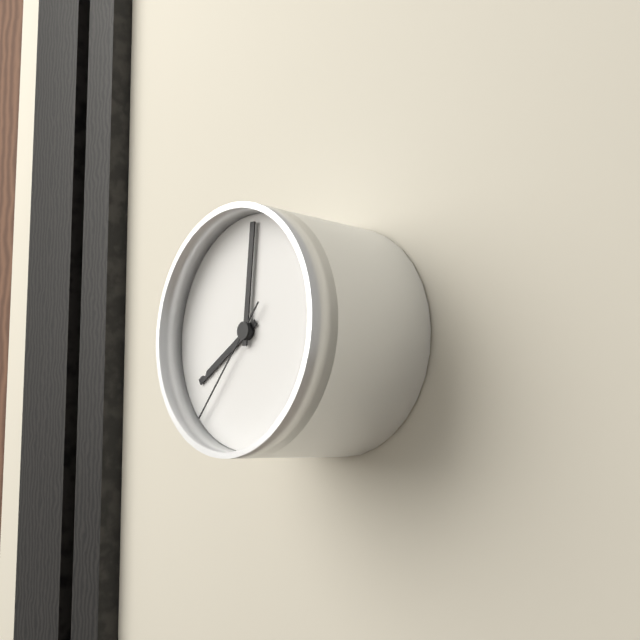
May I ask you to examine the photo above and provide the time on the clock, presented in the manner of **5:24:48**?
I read **8:01:37**
